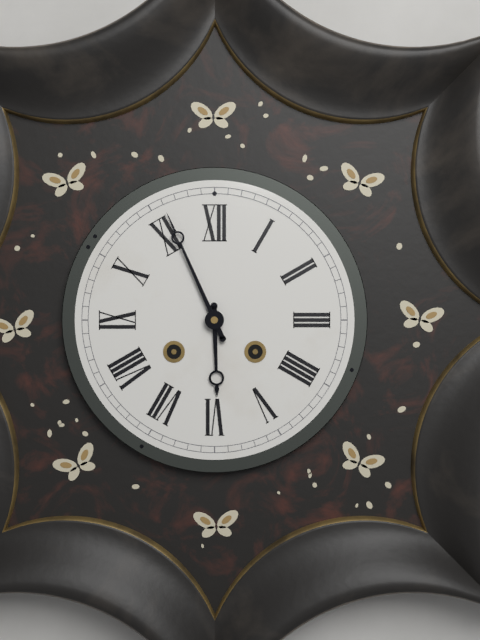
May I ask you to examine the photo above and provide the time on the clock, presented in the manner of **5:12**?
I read **5:56**
